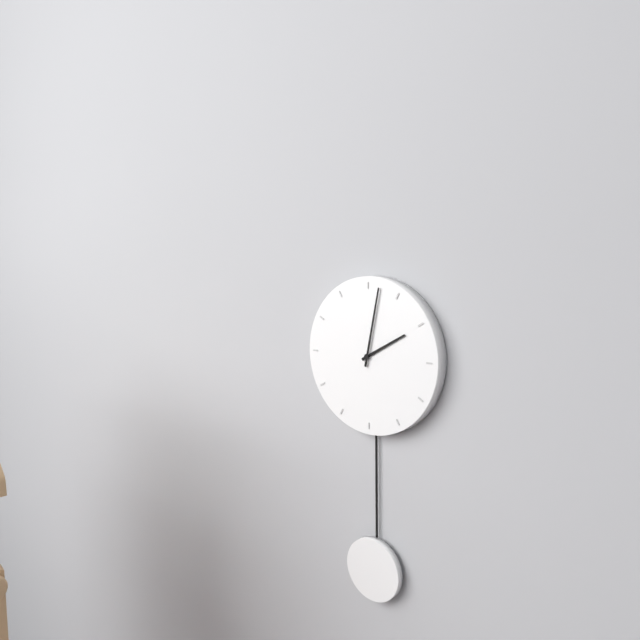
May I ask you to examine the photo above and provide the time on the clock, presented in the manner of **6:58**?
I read **2:02**
